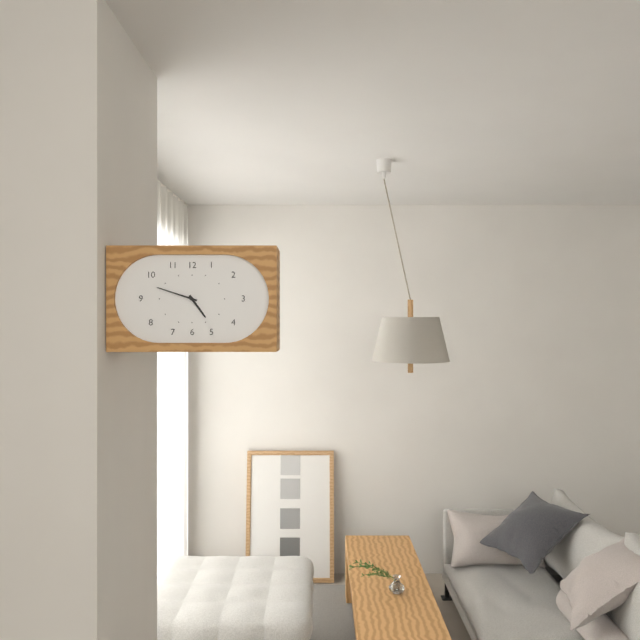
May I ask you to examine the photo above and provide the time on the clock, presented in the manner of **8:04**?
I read **4:48**
